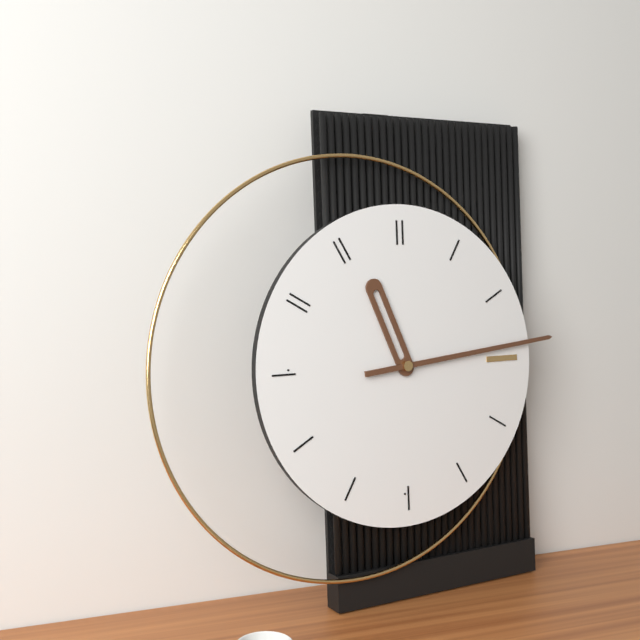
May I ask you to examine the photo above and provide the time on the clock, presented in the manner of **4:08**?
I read **11:14**
